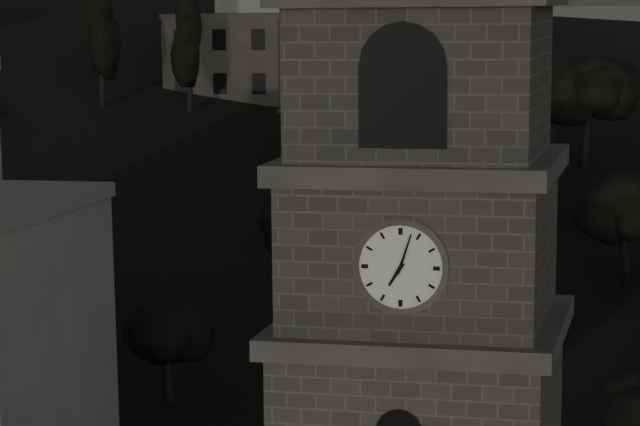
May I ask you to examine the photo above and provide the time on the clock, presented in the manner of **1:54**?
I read **7:03**
